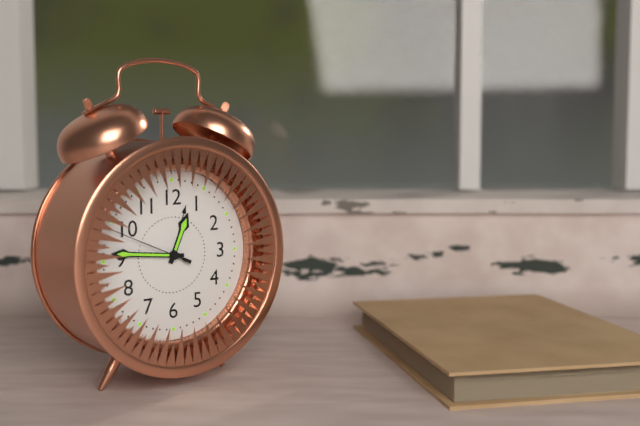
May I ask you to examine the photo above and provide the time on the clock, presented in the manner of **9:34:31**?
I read **12:46:49**
